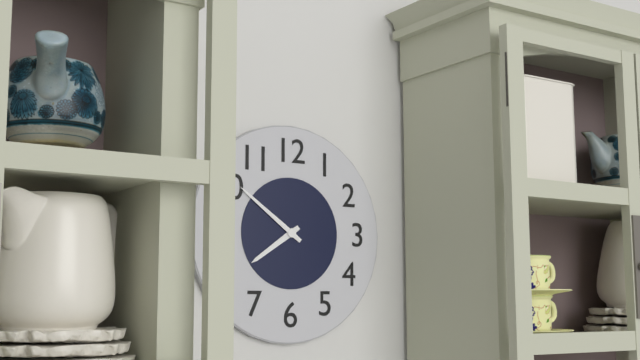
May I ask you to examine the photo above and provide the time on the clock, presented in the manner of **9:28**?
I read **7:51**
